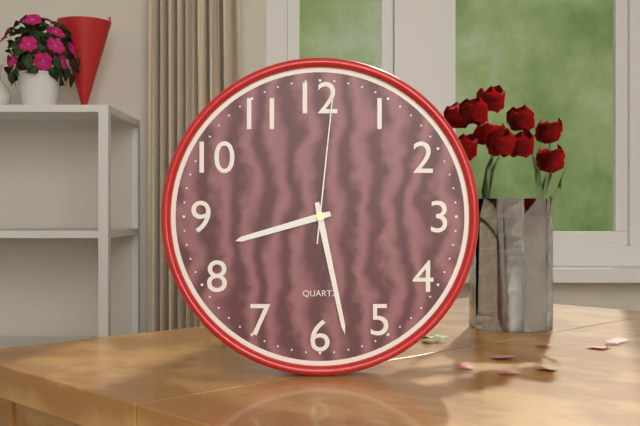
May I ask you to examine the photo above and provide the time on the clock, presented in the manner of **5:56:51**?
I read **8:28:01**
